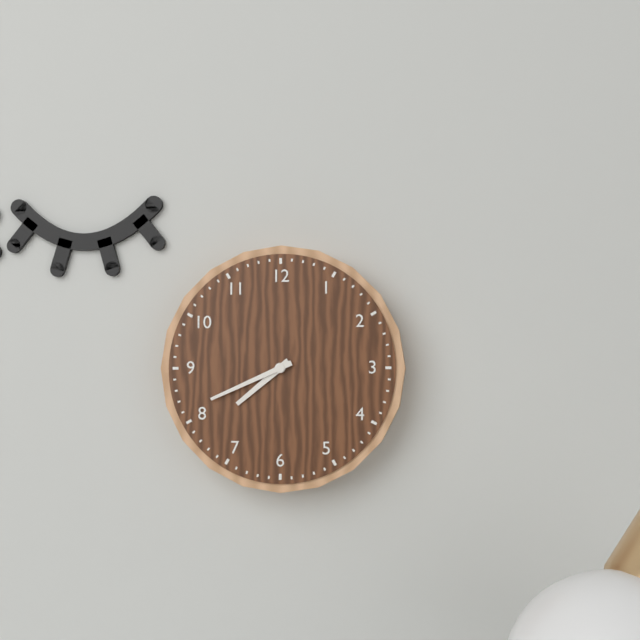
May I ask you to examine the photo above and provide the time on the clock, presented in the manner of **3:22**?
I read **7:41**
